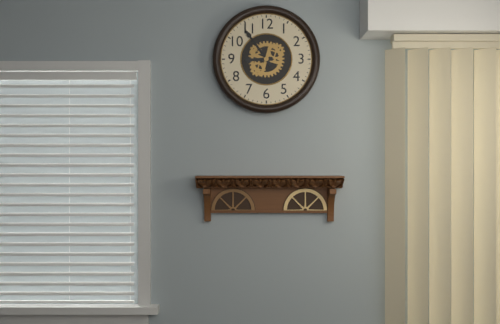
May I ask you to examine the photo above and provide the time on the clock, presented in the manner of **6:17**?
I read **8:54**
